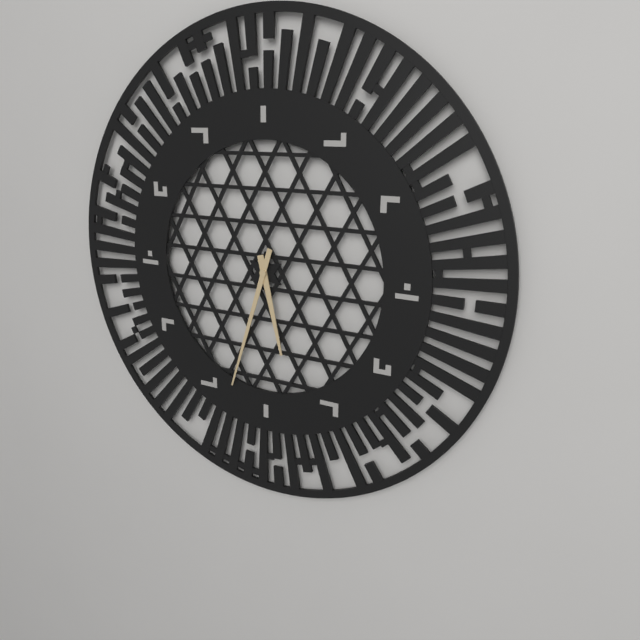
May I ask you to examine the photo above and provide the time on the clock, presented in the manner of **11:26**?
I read **5:33**
